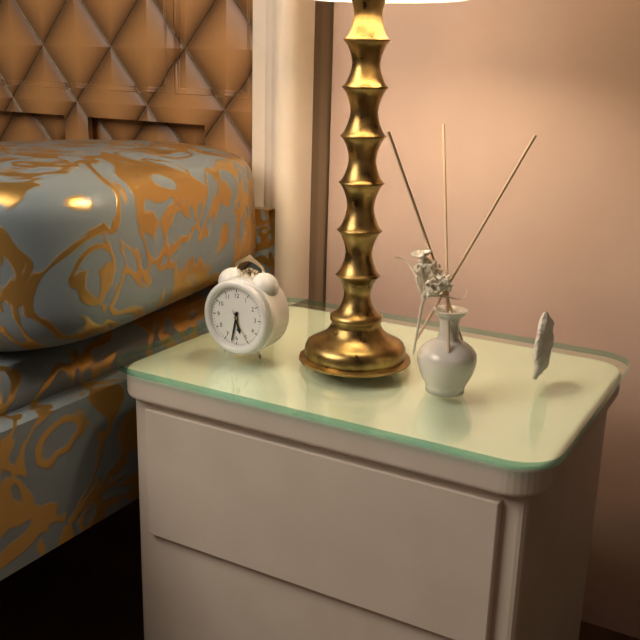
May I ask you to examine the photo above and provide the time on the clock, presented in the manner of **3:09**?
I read **5:32**
